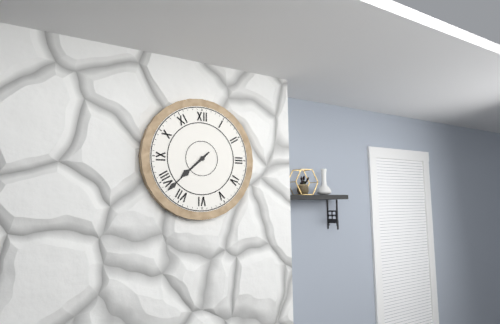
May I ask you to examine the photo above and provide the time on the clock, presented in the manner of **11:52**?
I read **7:38**
